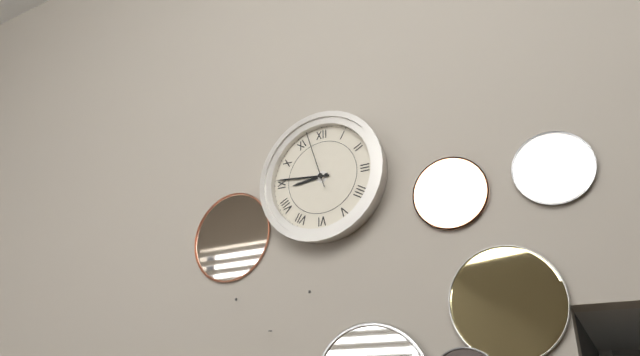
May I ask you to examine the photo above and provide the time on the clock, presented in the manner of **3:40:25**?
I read **8:46:57**
